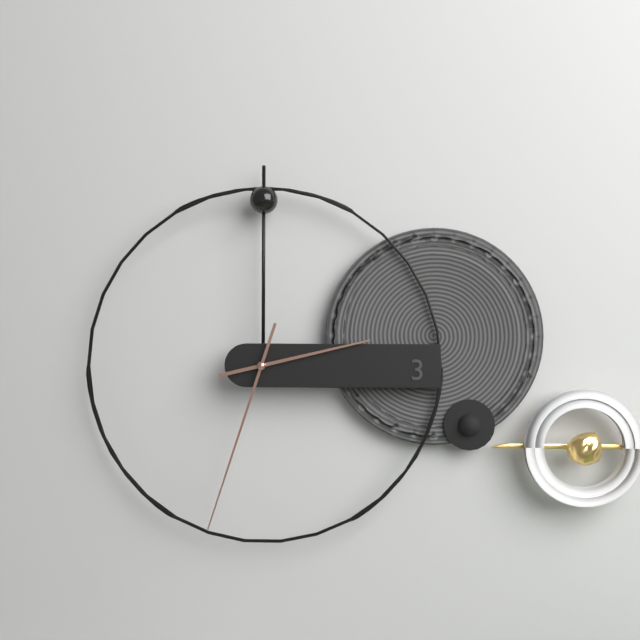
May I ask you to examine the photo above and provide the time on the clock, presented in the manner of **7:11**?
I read **2:33**
